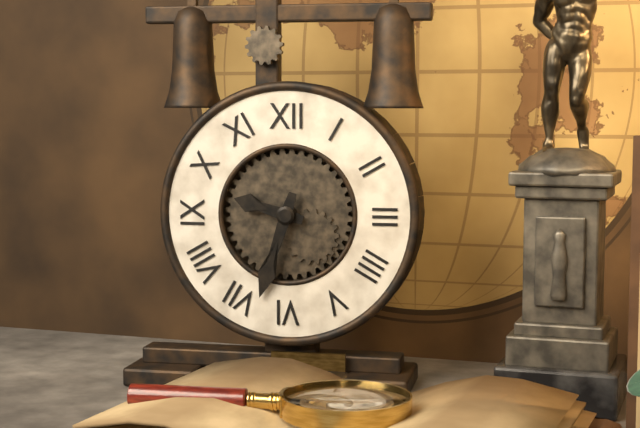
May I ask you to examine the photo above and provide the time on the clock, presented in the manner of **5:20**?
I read **9:33**
